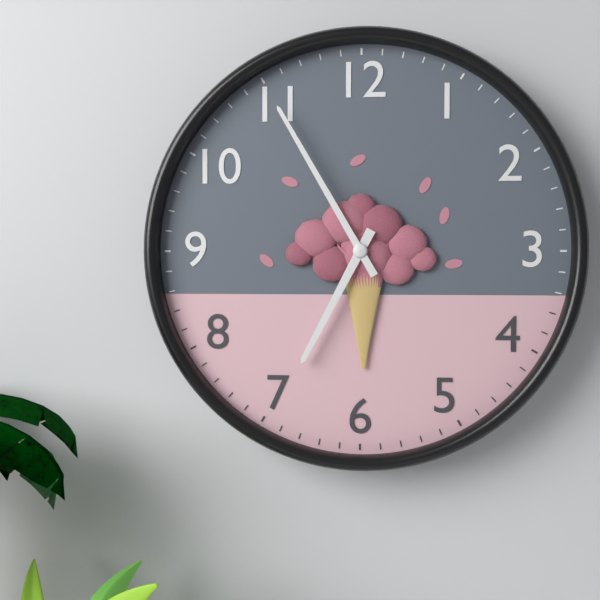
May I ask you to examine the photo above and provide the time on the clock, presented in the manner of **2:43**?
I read **6:55**
